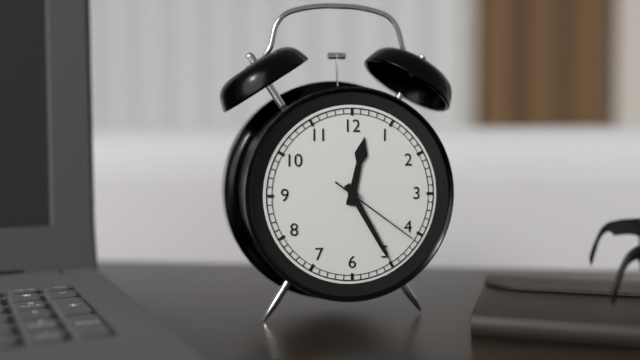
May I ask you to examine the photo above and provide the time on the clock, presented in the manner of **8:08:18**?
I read **12:25:21**
